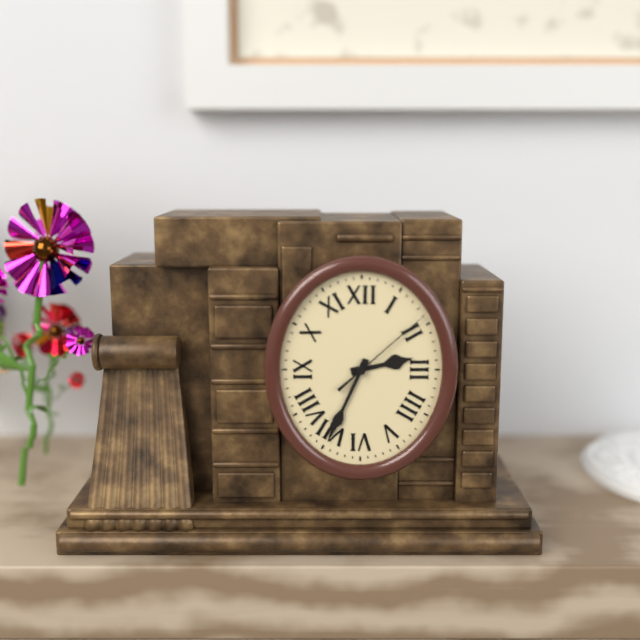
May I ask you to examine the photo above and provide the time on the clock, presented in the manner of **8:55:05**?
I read **2:34:08**
